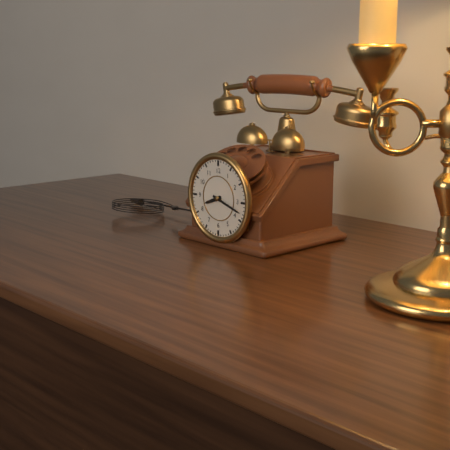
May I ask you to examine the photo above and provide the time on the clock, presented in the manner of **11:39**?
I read **8:18**
